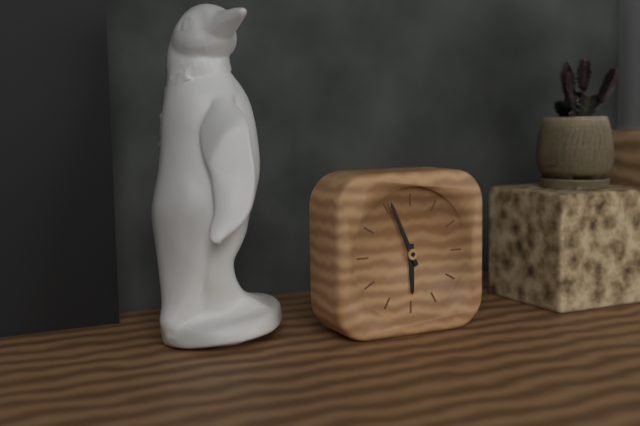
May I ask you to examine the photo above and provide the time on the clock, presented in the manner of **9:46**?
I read **5:56**
